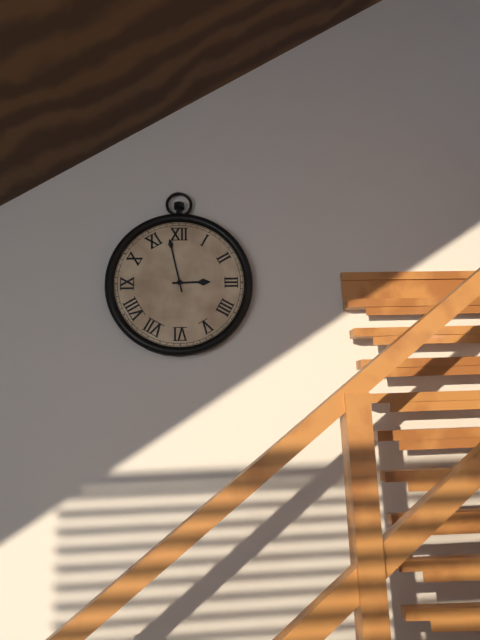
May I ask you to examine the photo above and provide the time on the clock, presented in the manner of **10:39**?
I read **2:58**
